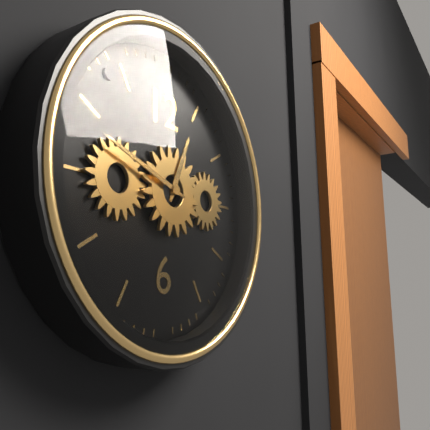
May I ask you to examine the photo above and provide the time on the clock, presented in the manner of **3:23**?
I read **12:48**
